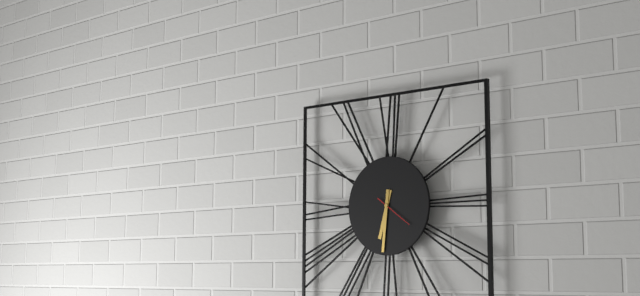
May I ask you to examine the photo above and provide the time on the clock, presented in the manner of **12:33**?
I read **6:31**
